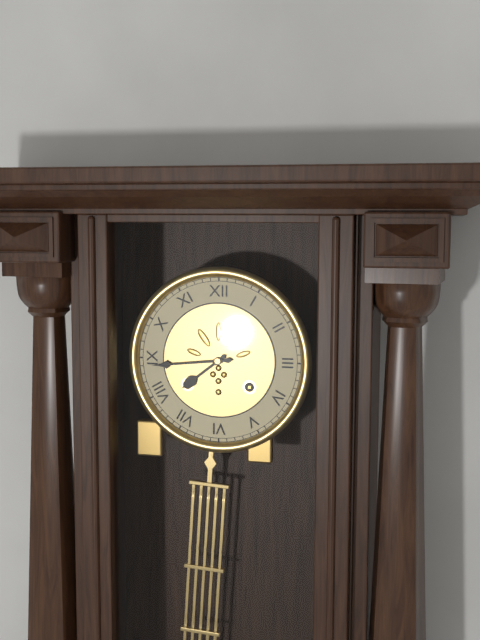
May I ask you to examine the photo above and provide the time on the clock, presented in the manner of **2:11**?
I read **7:44**
